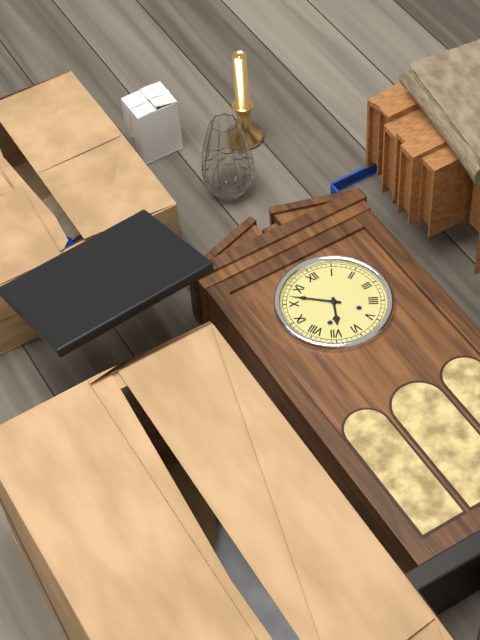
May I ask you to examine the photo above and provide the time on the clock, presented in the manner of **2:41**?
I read **6:52**
